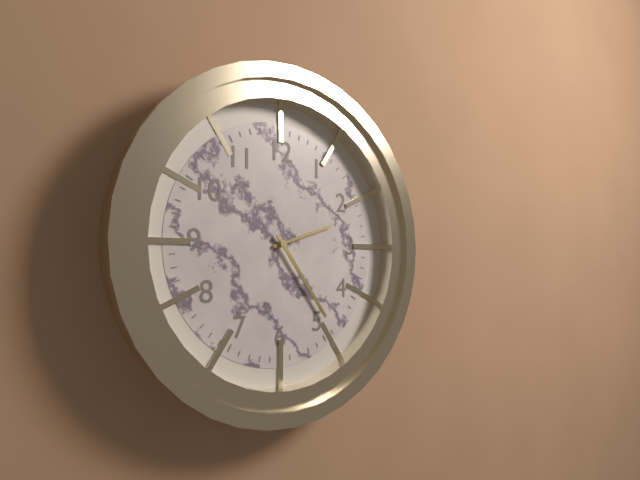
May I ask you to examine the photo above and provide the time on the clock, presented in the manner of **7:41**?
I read **2:24**
